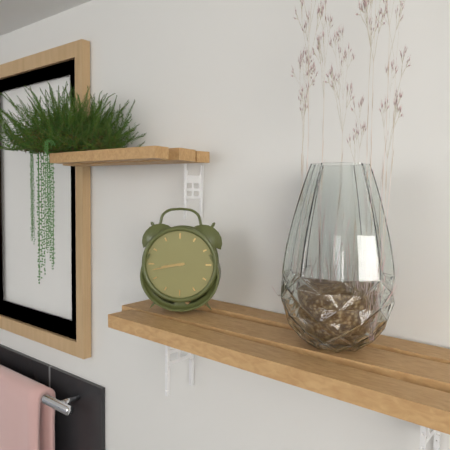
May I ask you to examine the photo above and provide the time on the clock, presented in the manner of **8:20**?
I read **8:43**
